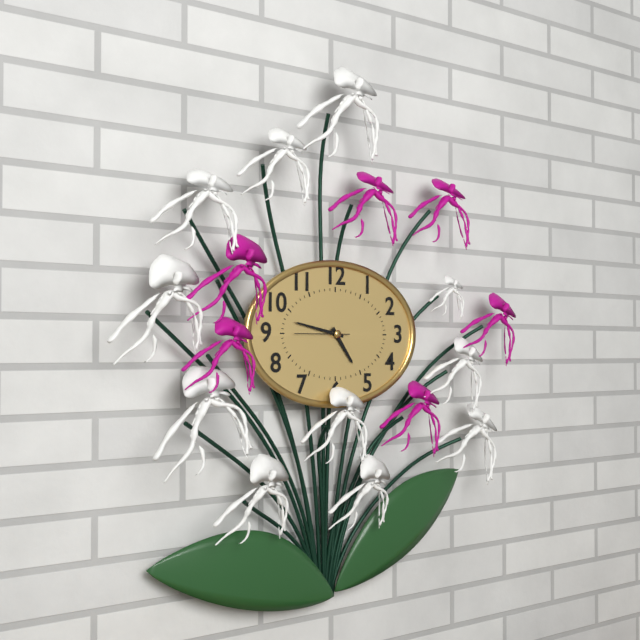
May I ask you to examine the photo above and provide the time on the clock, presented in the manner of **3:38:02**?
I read **4:47:45**
